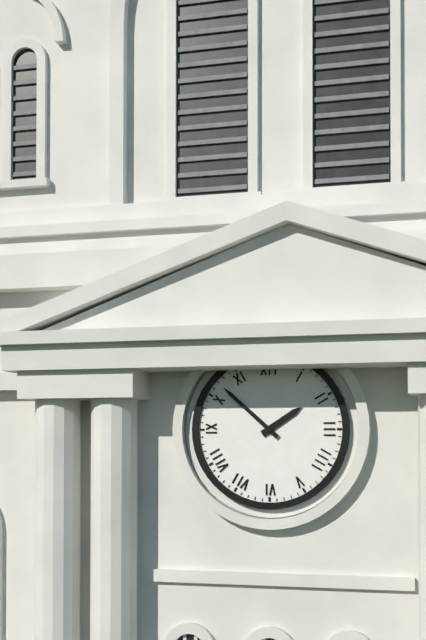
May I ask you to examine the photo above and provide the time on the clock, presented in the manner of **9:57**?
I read **1:52**
